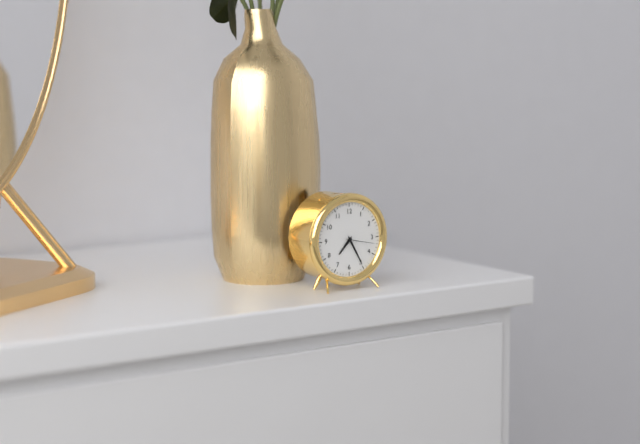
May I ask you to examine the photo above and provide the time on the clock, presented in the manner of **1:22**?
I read **7:25**
